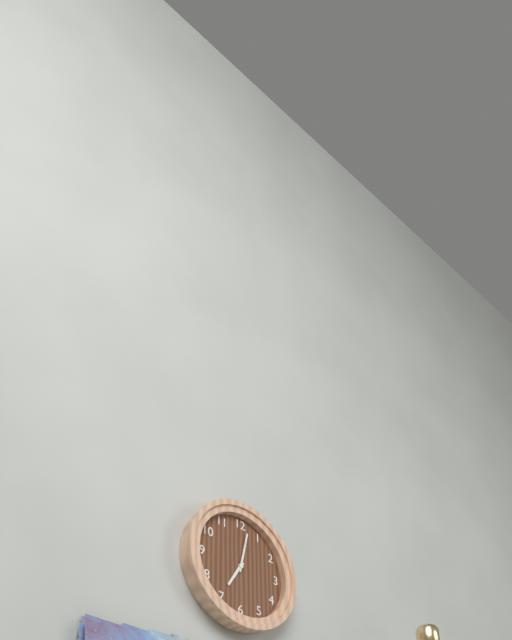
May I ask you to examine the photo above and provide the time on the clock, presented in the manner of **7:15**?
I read **7:02**
